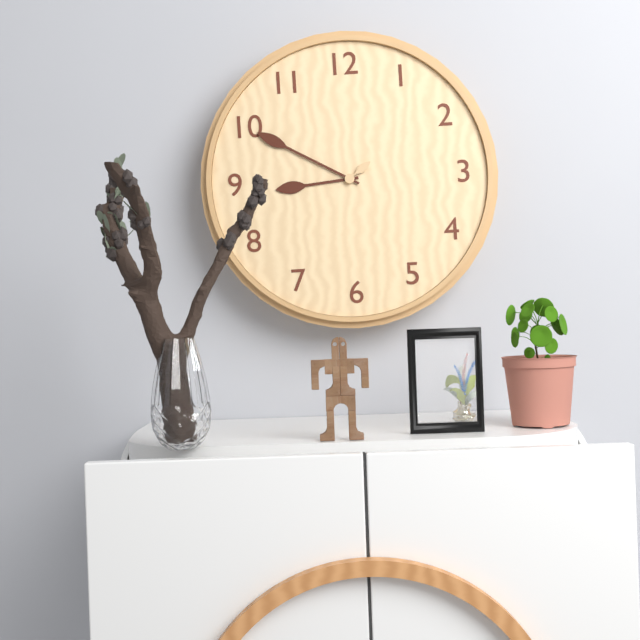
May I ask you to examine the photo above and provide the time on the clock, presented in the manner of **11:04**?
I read **8:50**
